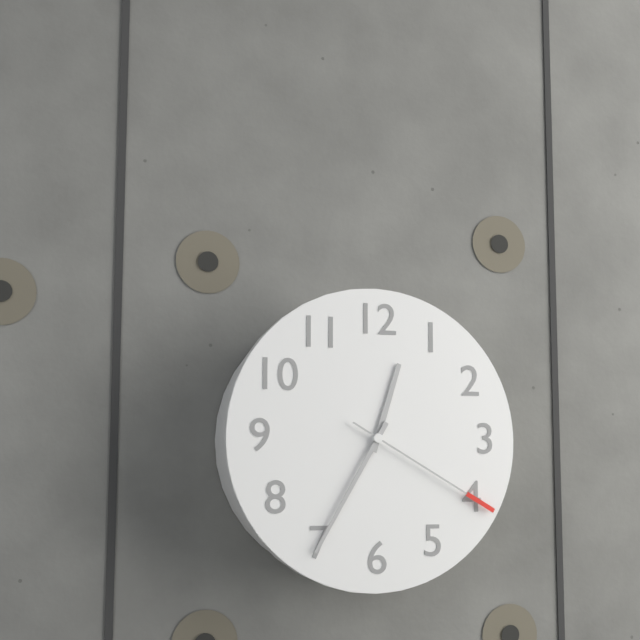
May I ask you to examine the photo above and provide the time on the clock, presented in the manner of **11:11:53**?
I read **12:35:20**
